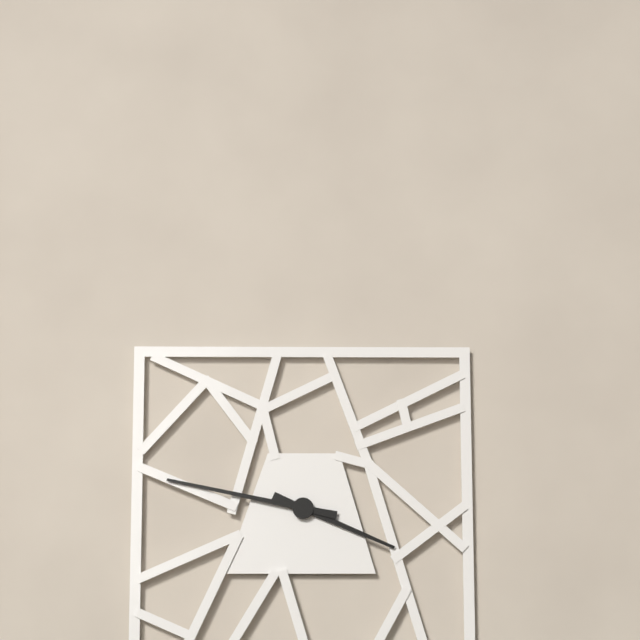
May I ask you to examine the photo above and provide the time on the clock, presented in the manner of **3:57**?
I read **3:47**
